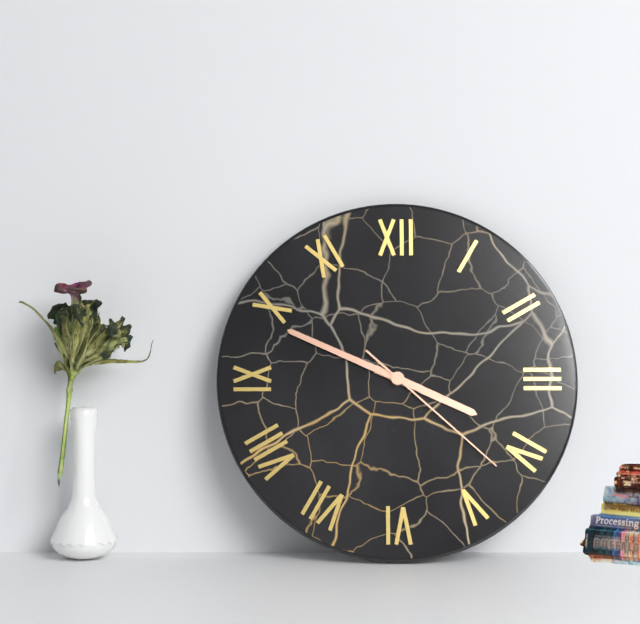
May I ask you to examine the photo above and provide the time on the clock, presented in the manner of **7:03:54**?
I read **3:49:22**
